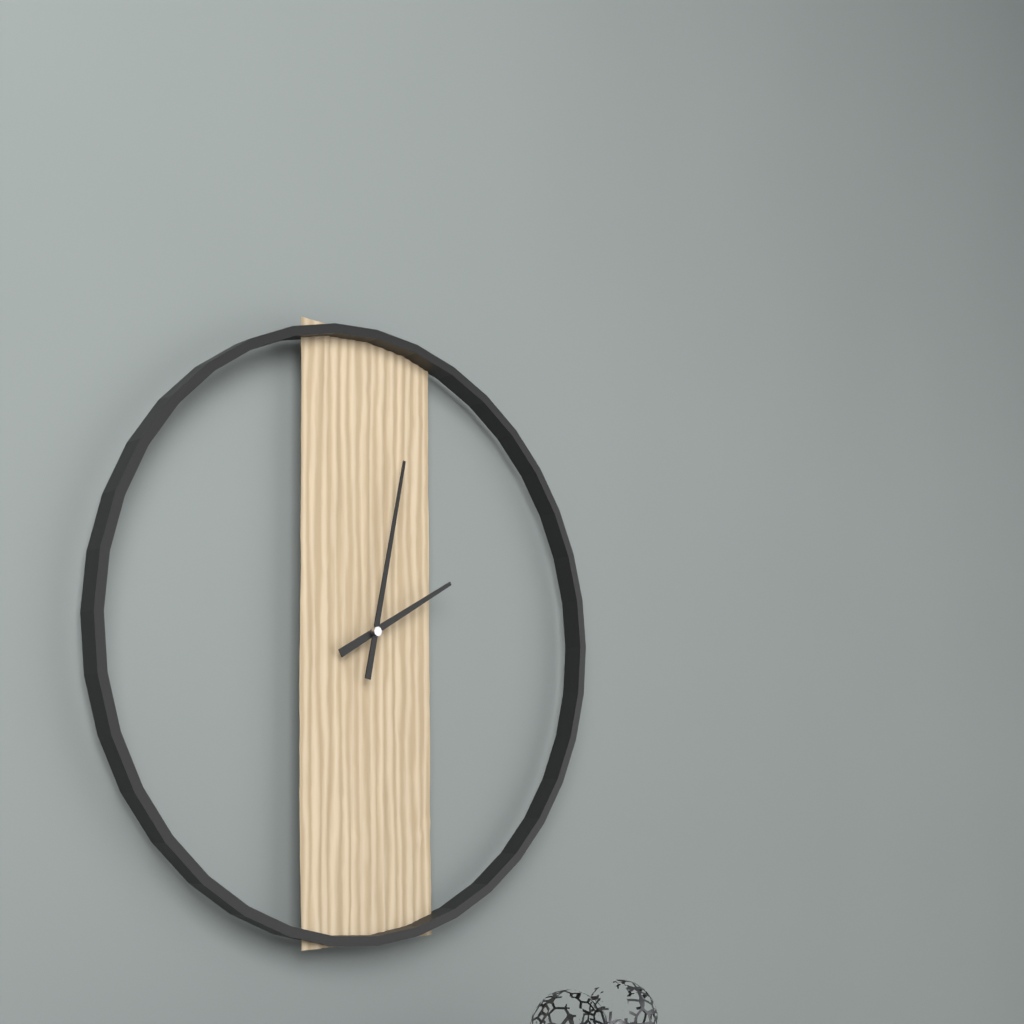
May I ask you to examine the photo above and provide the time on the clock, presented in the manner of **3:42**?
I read **2:02**
